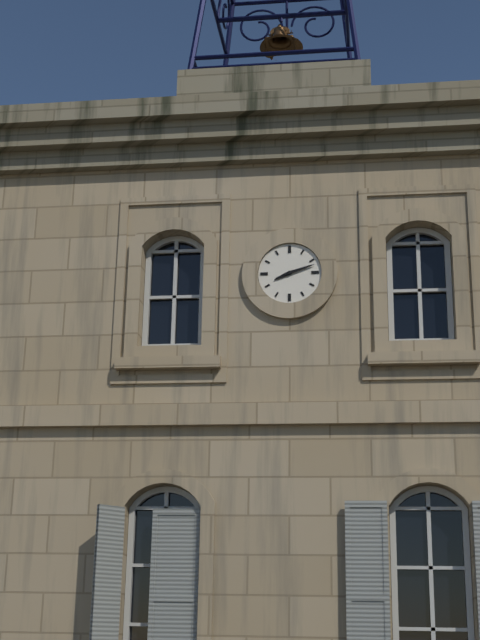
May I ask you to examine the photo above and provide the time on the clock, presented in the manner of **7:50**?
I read **8:12**
